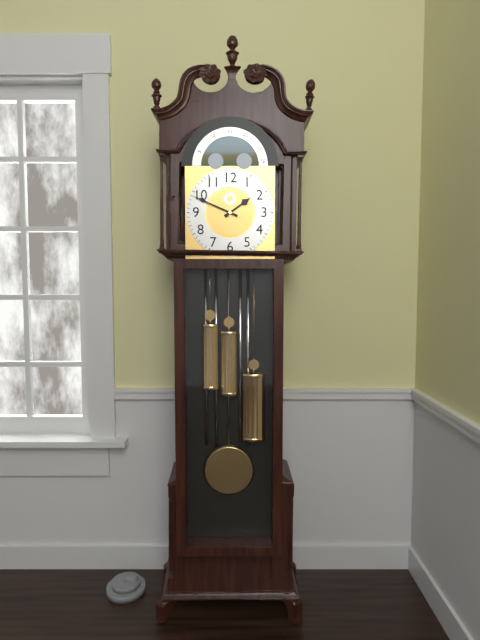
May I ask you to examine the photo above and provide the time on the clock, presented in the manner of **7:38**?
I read **1:49**
